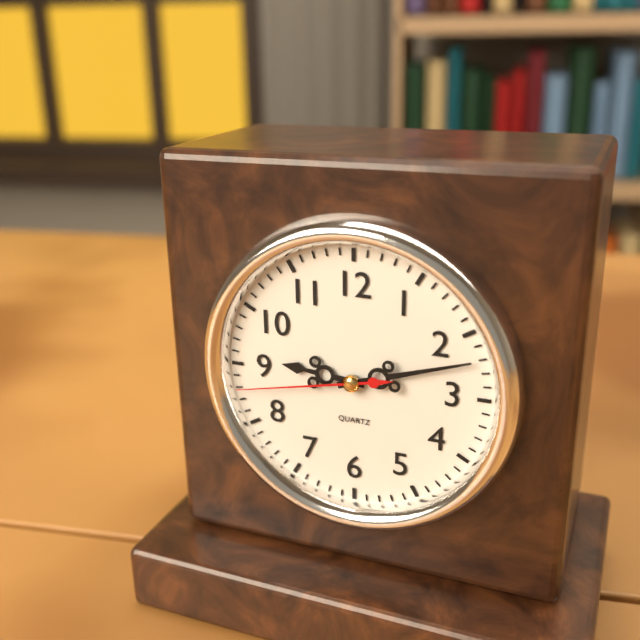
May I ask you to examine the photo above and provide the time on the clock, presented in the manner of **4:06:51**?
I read **9:12:43**
